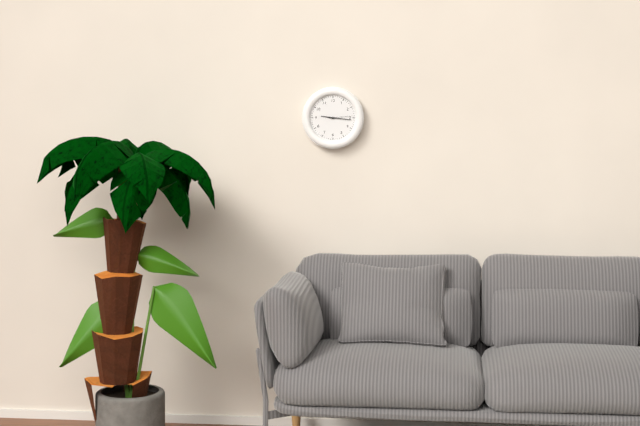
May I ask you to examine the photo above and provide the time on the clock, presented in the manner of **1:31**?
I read **9:16**
